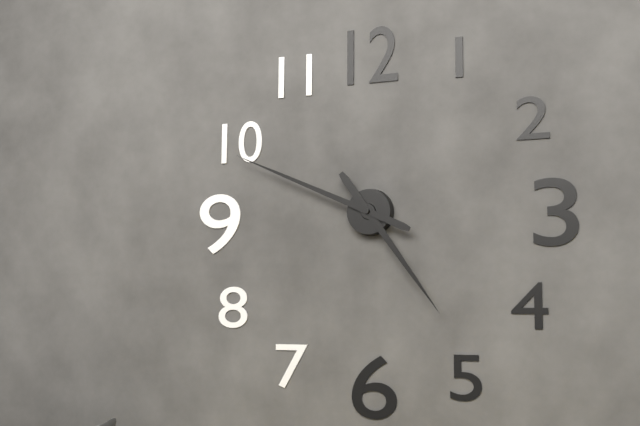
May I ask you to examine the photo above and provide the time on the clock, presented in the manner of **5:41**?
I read **4:49**
